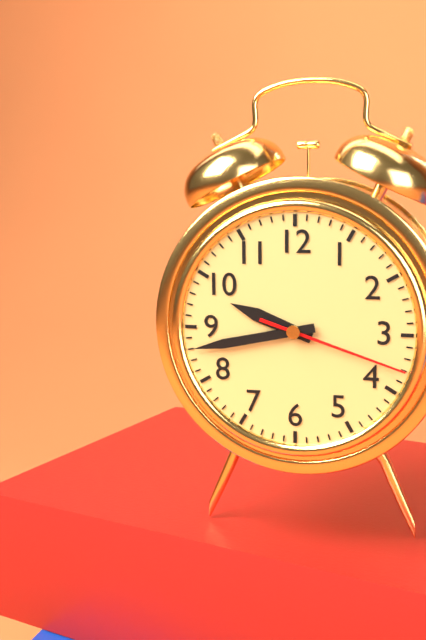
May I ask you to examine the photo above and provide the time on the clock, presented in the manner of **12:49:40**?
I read **9:43:18**
